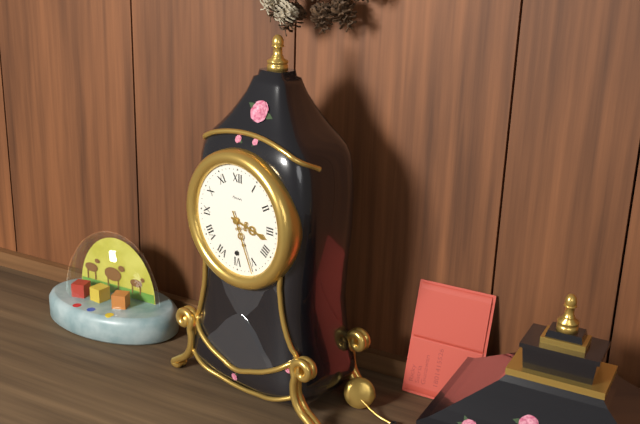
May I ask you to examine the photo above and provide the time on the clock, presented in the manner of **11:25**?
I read **3:26**
